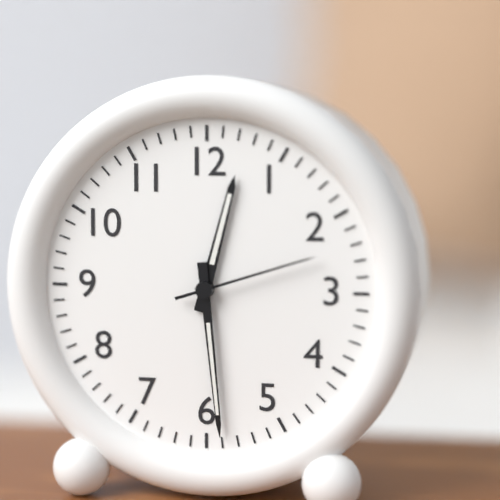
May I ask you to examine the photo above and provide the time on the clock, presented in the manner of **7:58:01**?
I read **12:29:12**
